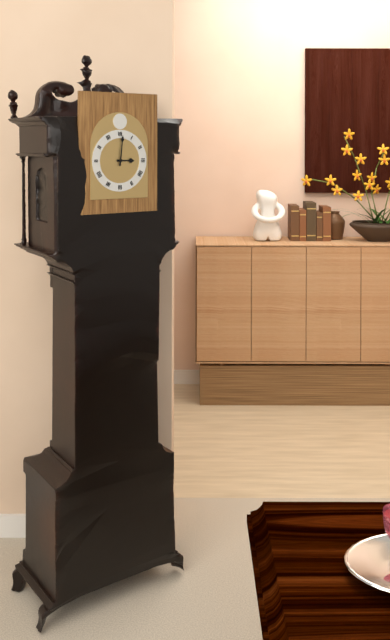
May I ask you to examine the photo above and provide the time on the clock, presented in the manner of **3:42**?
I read **3:01**
